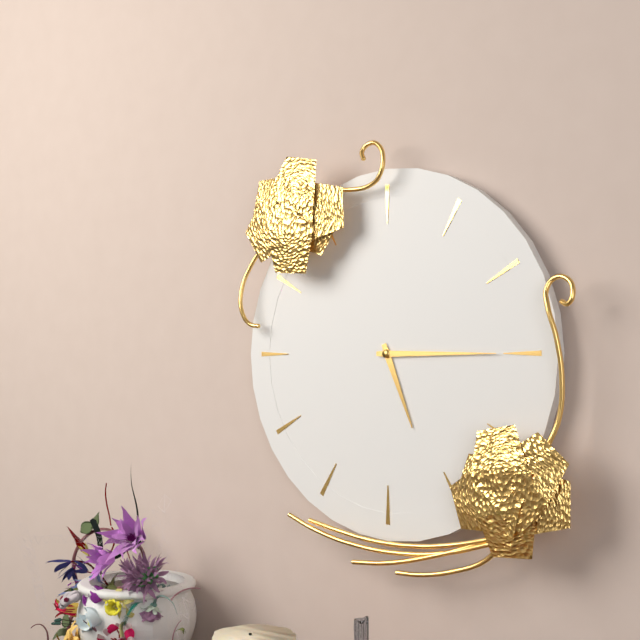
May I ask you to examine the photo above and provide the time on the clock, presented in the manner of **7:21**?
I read **5:15**
